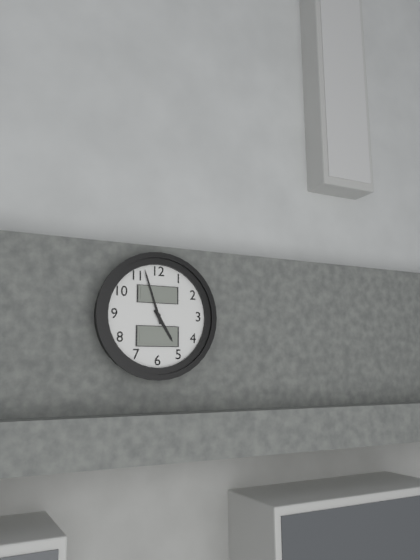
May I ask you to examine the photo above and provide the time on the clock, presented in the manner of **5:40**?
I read **4:57**
